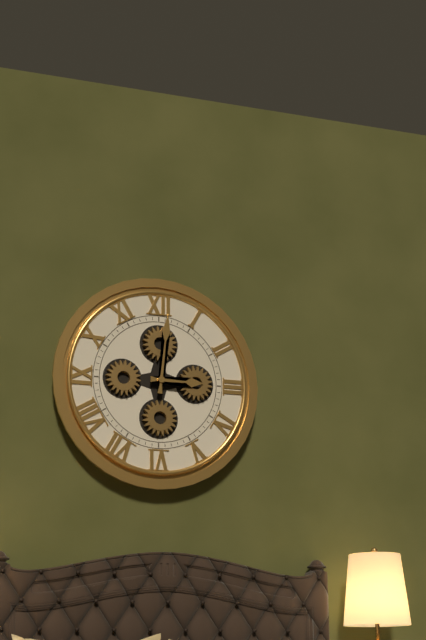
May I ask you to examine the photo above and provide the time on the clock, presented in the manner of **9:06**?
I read **3:01**
